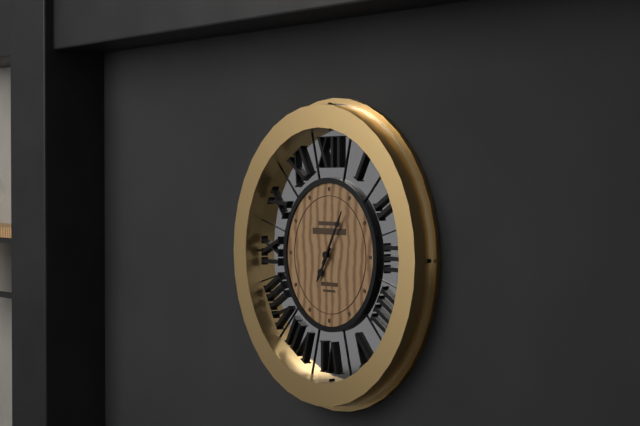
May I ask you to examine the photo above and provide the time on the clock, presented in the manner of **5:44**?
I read **7:05**
